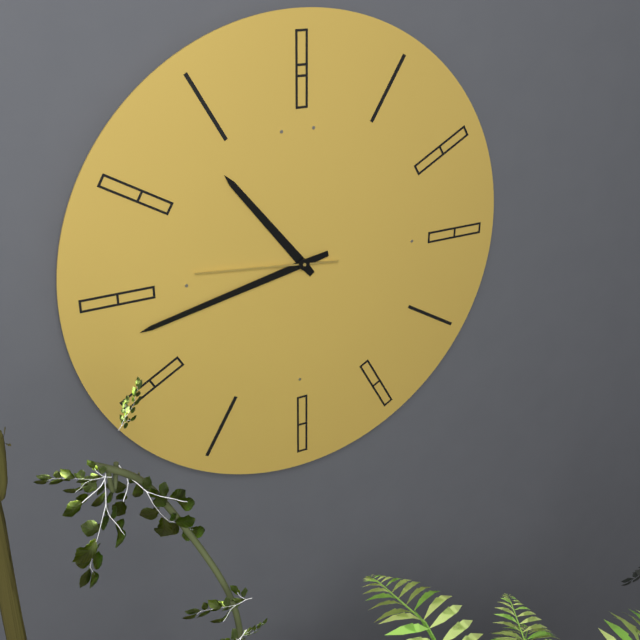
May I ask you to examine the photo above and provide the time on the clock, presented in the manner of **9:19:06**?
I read **10:43:46**
